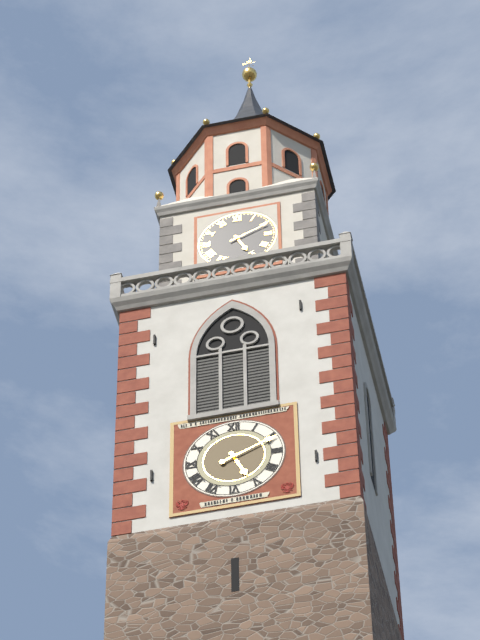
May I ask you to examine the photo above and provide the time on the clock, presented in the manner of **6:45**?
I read **5:11**
